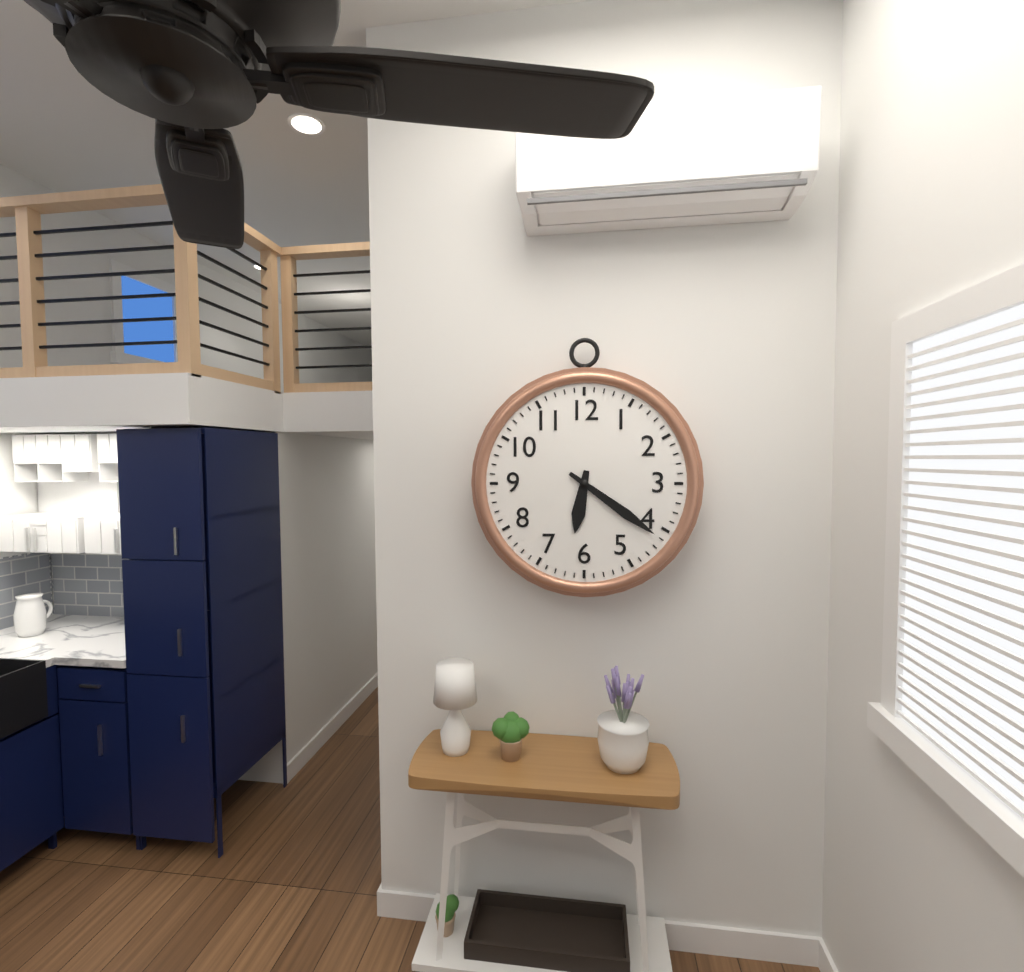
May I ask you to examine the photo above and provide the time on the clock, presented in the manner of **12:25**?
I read **6:21**
